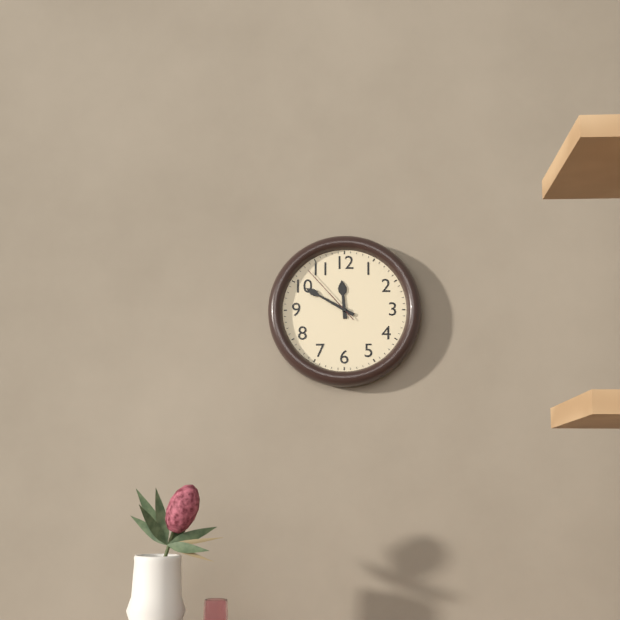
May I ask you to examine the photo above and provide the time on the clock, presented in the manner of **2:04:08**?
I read **11:50:53**
